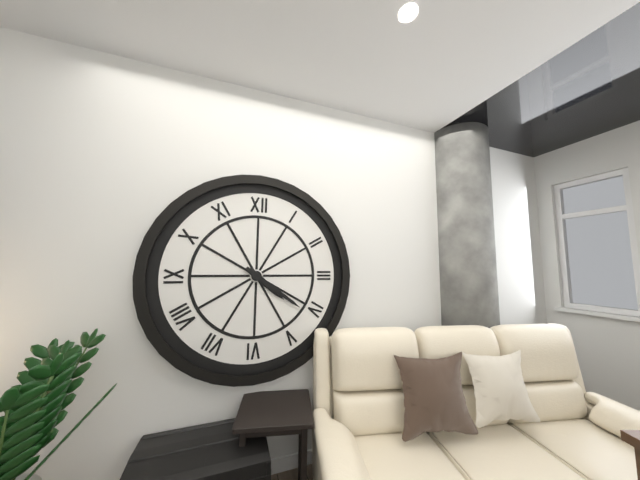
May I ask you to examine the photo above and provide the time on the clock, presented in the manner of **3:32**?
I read **4:21**
